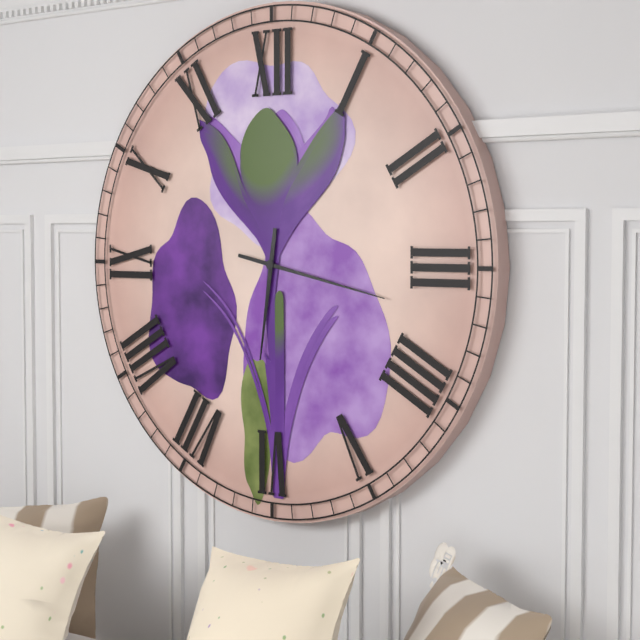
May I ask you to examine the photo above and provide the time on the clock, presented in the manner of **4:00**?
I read **6:17**
